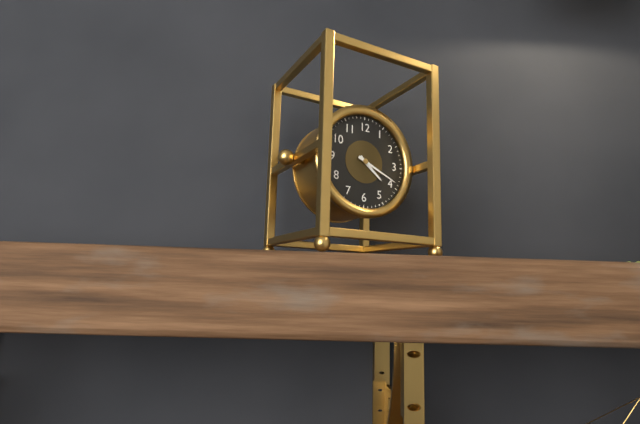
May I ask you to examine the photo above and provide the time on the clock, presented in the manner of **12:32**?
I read **4:19**
